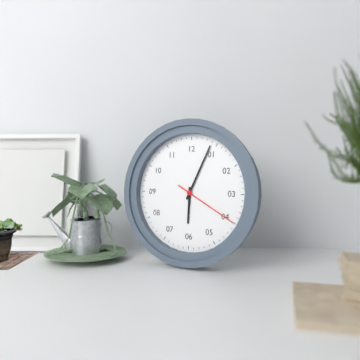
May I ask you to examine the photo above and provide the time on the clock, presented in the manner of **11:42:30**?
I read **6:04:20**
